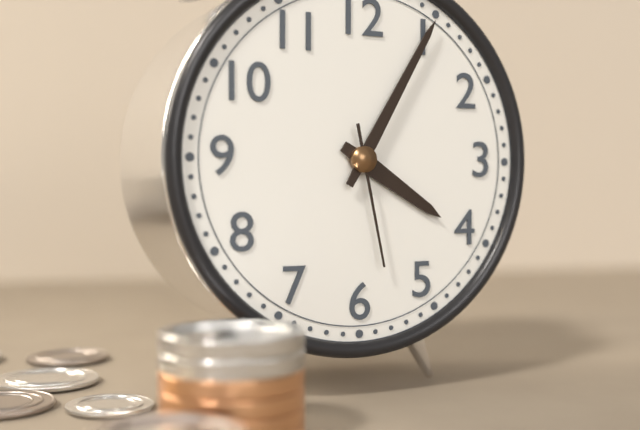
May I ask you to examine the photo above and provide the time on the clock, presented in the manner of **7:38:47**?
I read **4:05:28**
